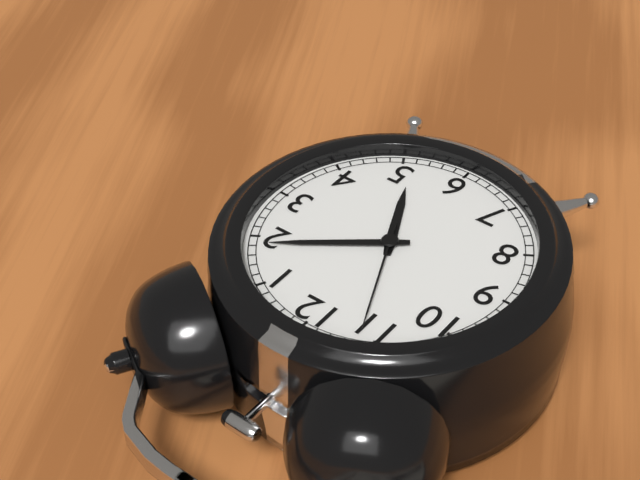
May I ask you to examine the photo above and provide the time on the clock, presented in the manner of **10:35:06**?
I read **5:09:56**
